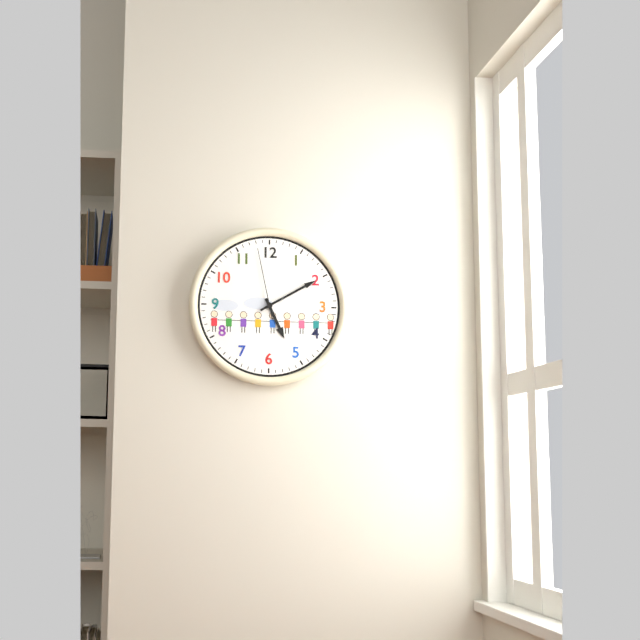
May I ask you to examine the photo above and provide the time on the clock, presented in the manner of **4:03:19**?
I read **5:10:58**
